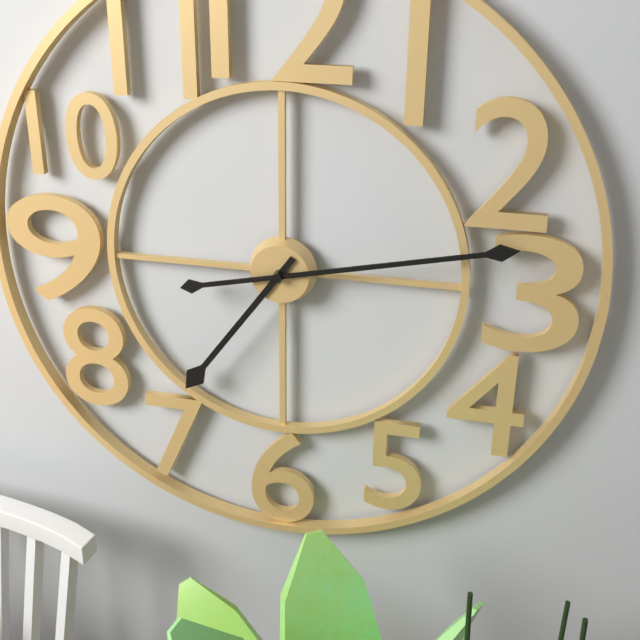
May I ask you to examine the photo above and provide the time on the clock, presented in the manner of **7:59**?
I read **7:13**
